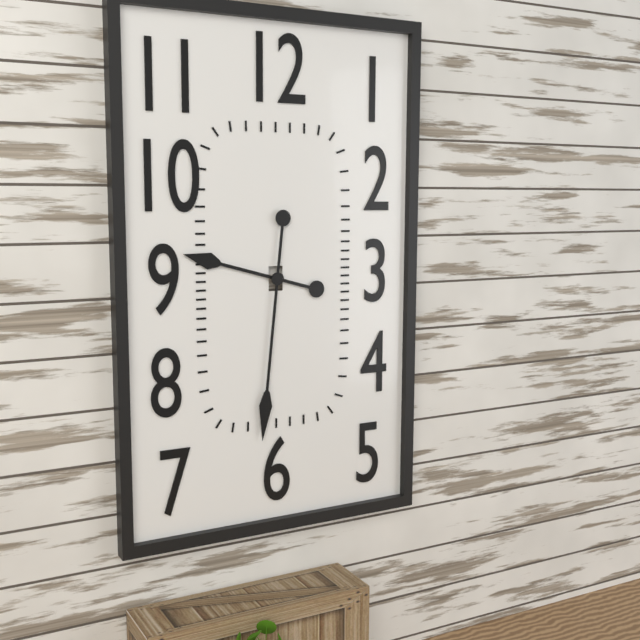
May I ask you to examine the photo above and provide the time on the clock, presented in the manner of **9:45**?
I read **9:31**
